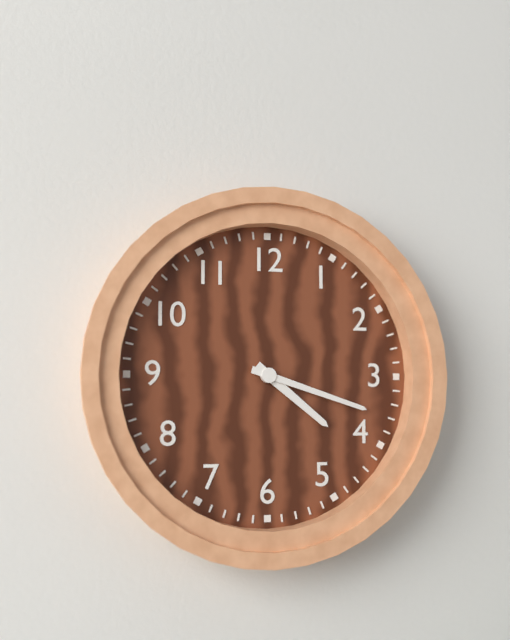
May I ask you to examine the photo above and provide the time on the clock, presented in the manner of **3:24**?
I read **4:18**
